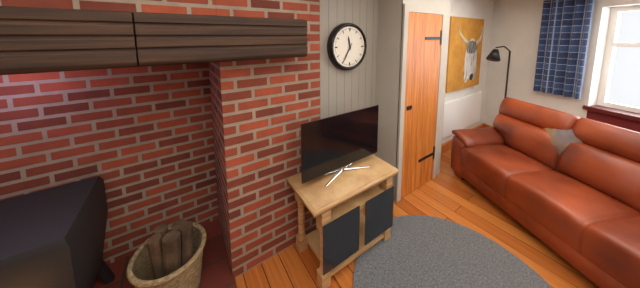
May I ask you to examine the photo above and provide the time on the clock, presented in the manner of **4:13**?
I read **11:35**
